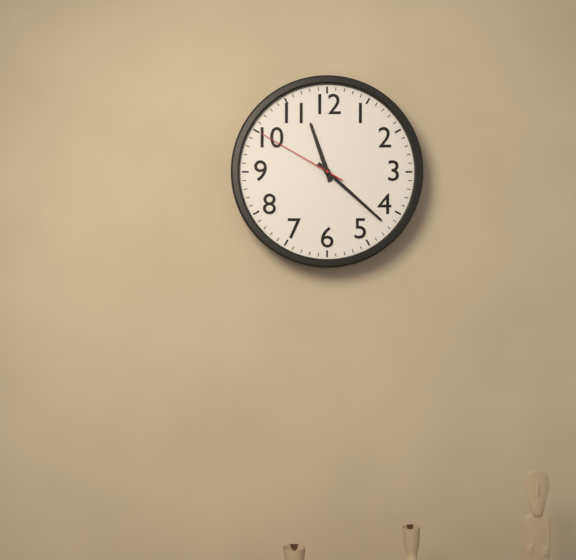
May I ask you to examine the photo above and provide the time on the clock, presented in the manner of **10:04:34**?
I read **11:22:50**
